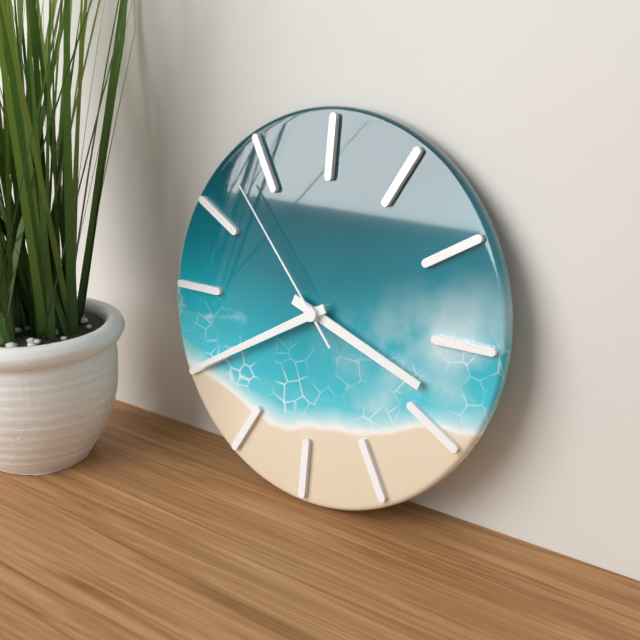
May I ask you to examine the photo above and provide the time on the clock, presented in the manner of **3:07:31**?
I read **3:40:53**
